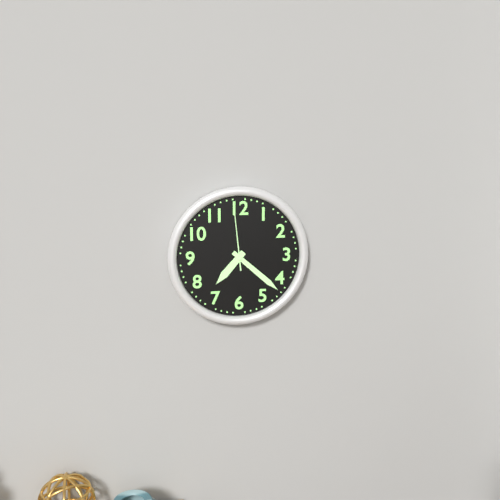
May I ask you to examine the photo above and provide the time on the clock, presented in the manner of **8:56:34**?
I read **7:22:59**
